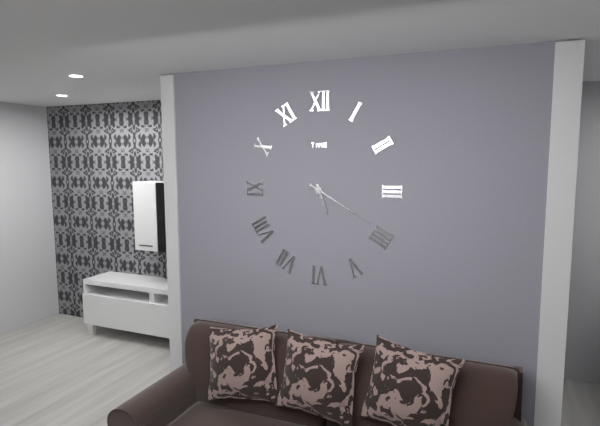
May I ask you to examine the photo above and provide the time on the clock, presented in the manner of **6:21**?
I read **5:20**
